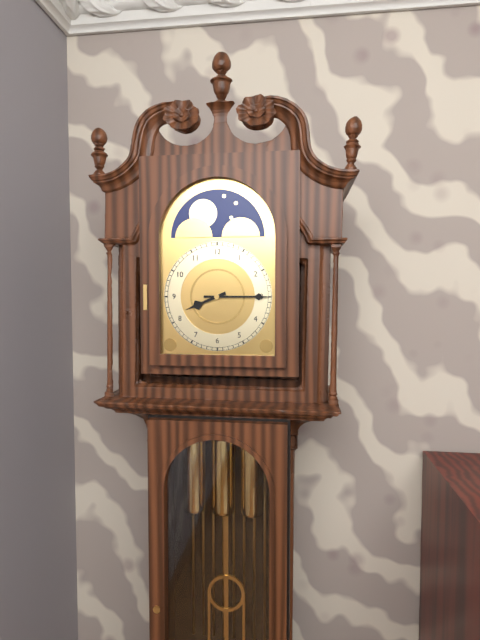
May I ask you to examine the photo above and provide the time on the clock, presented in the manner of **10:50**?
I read **8:15**
